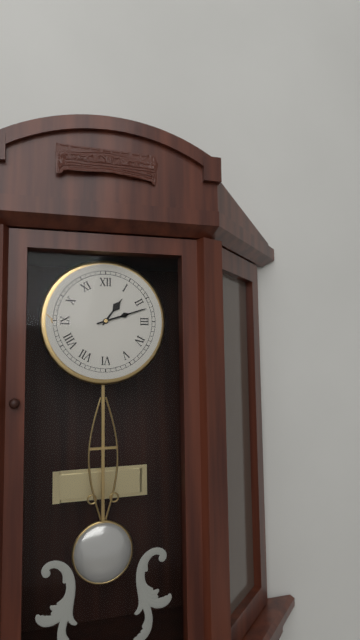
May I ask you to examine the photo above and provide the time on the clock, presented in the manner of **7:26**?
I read **1:12**
